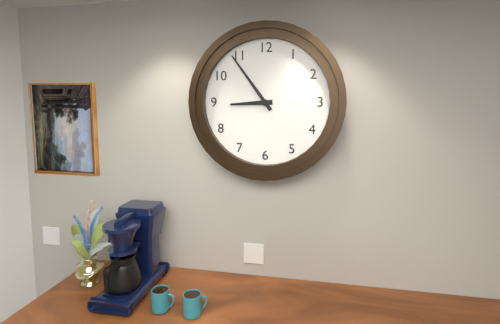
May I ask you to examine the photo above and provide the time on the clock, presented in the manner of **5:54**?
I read **8:54**
